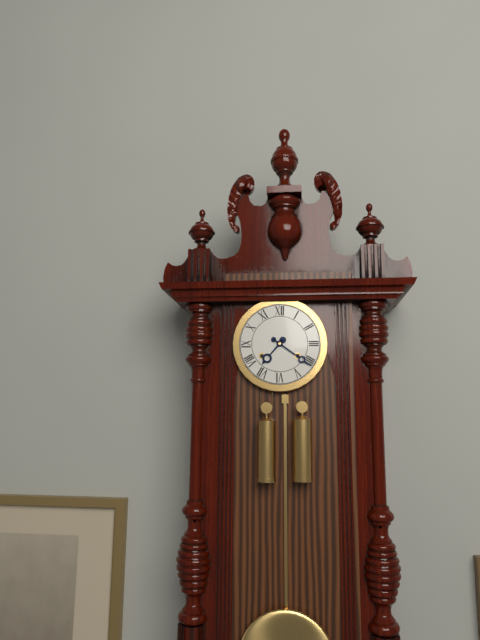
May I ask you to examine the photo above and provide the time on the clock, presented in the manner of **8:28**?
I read **7:21**
